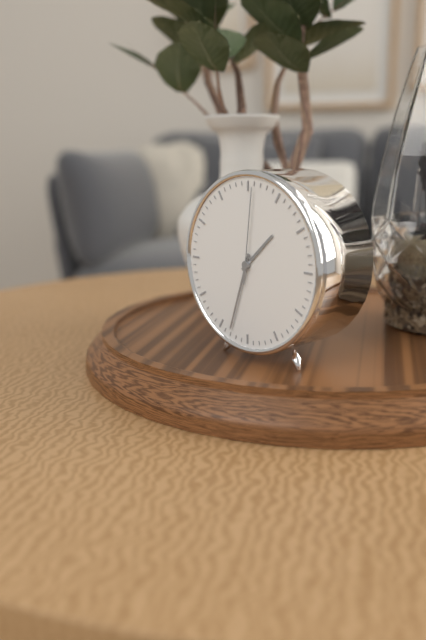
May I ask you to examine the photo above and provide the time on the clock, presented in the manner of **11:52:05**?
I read **1:33:01**
